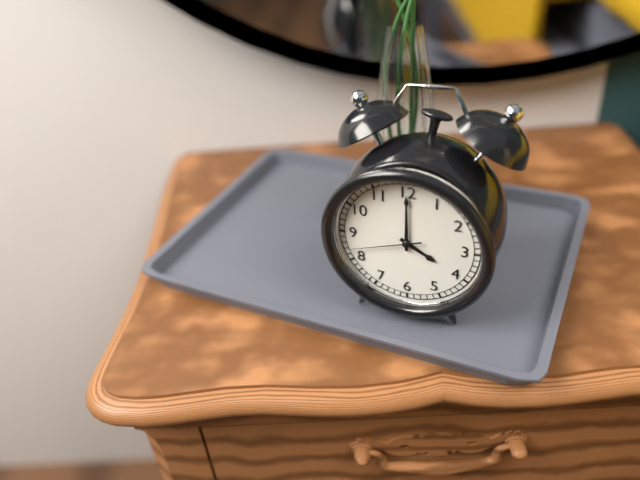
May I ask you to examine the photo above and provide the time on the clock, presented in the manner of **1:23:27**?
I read **4:00:42**
